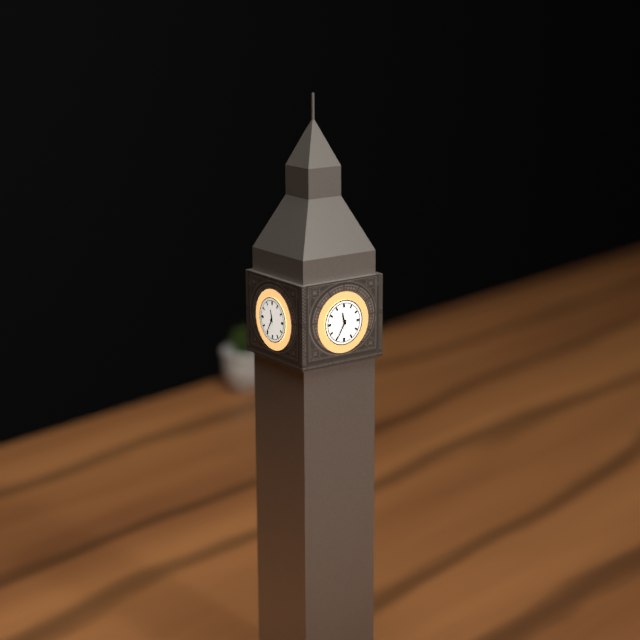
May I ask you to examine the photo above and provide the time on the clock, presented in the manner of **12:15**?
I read **11:35**
